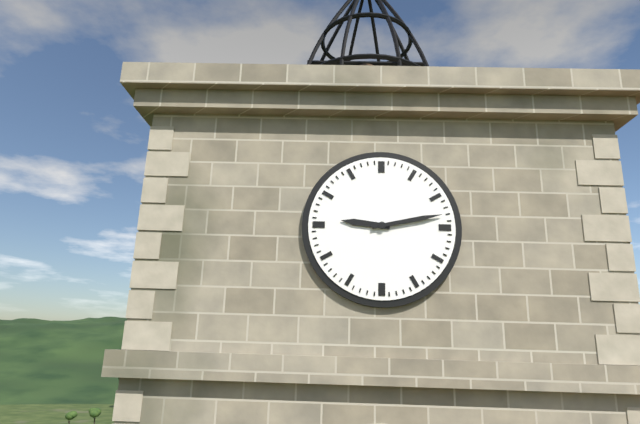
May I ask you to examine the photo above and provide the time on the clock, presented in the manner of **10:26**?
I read **9:13**
